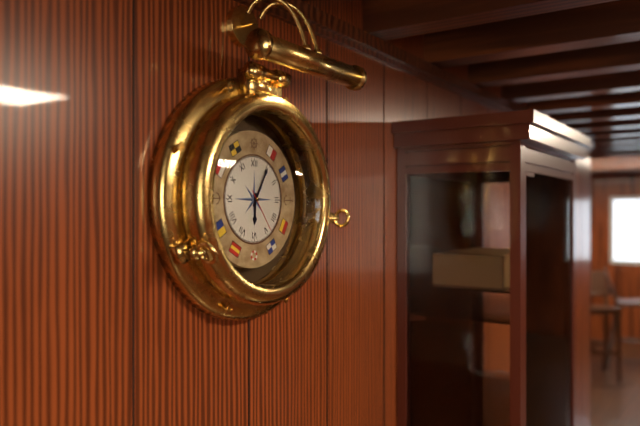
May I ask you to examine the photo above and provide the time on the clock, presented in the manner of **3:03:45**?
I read **6:05:24**
